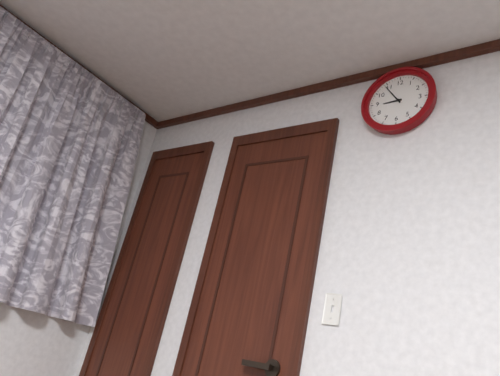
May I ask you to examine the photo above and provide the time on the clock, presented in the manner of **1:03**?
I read **8:54**
